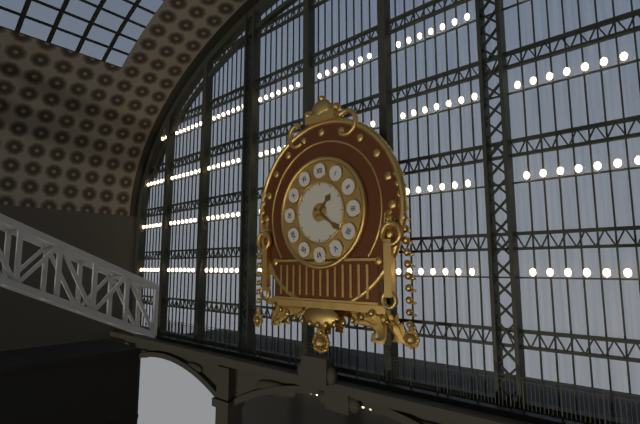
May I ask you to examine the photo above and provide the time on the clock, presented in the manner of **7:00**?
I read **1:21**
